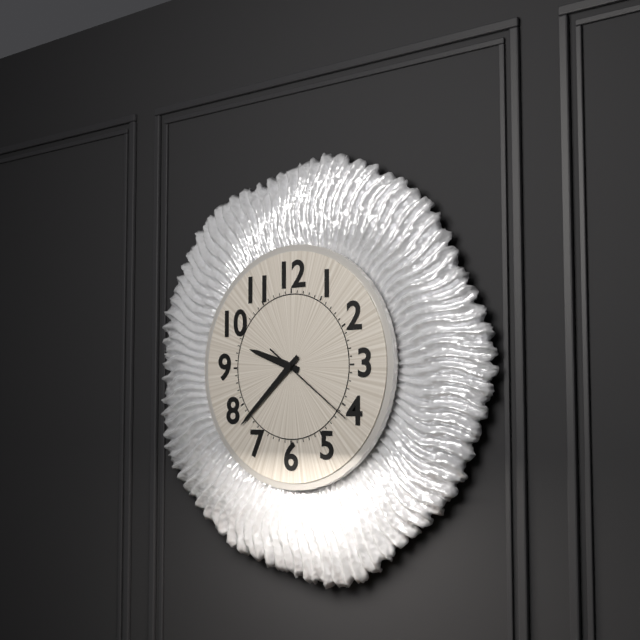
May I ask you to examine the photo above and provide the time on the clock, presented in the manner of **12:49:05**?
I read **9:38:21**
